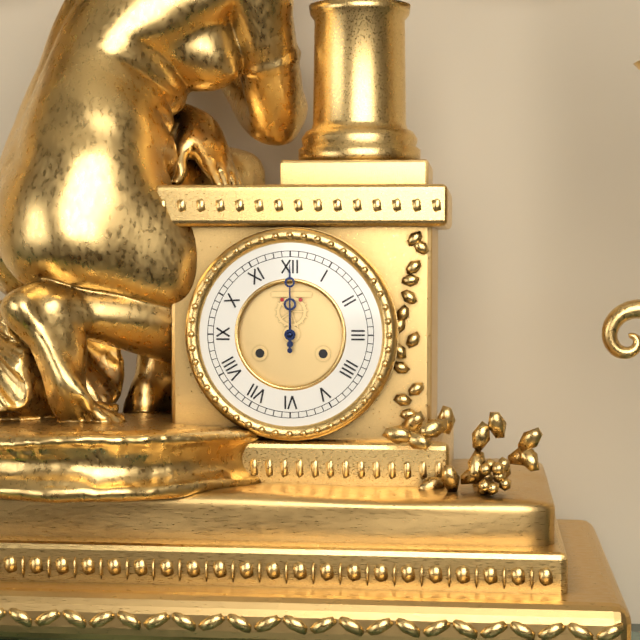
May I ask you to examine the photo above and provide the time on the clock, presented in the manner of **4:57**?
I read **12:00**
